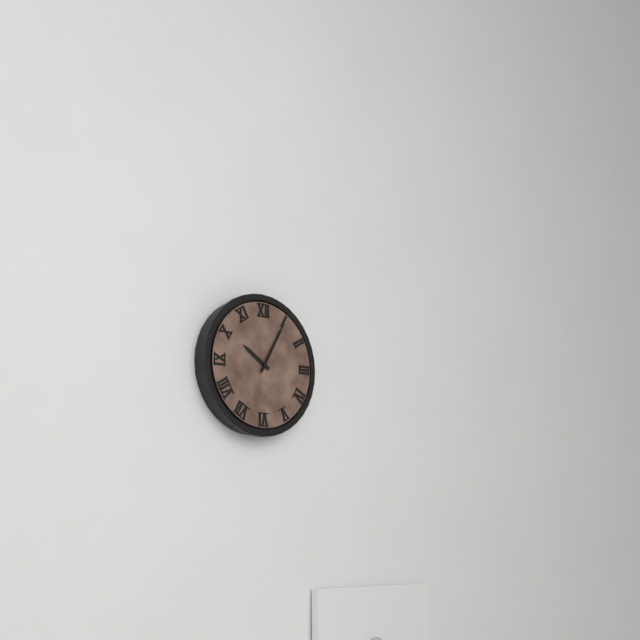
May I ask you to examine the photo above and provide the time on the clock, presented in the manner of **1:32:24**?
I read **10:05:05**
